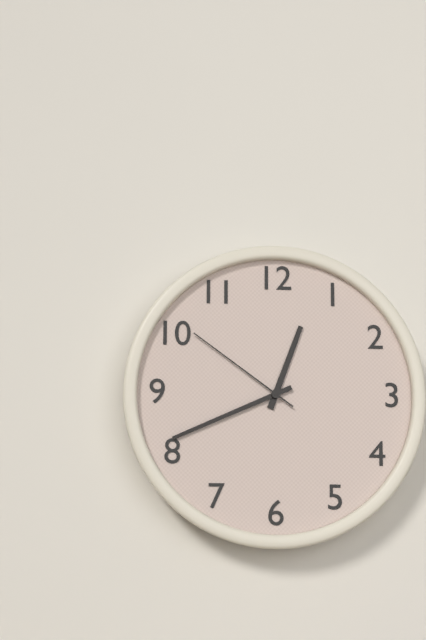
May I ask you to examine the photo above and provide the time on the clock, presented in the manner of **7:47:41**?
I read **12:41:51**
